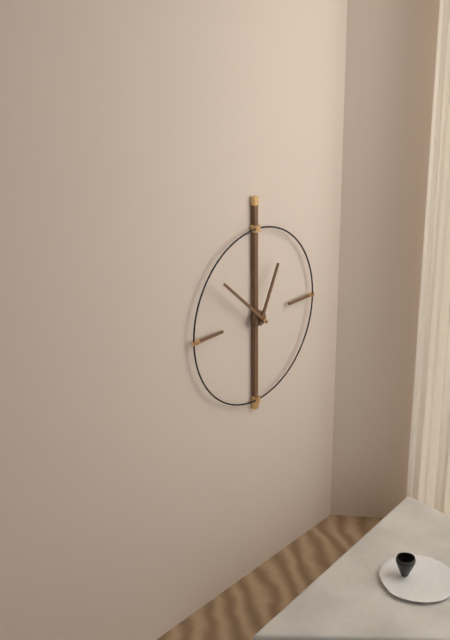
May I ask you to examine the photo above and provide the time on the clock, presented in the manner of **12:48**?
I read **12:52**
